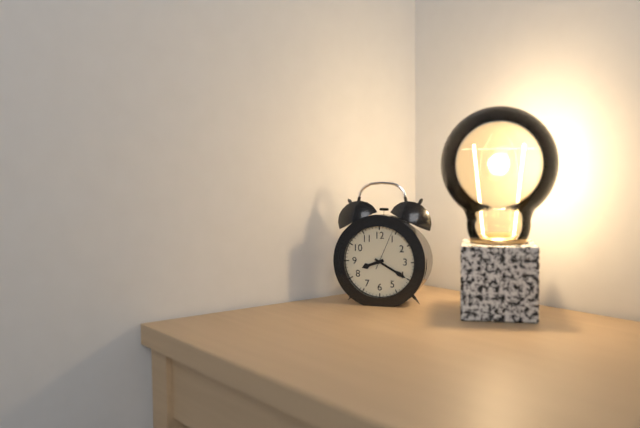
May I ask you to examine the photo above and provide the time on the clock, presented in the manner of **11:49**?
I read **8:20**
